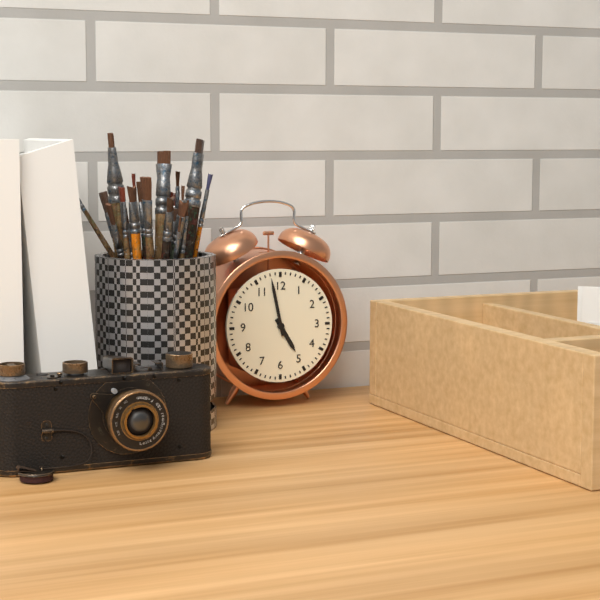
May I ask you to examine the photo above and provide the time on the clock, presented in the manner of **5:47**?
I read **4:58**
